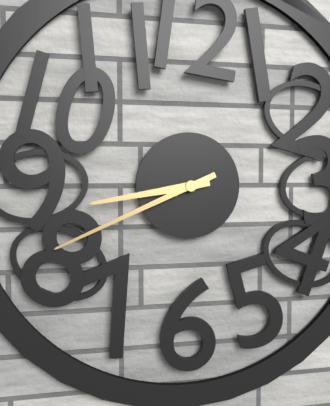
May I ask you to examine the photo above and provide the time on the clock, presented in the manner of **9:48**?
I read **8:41**
